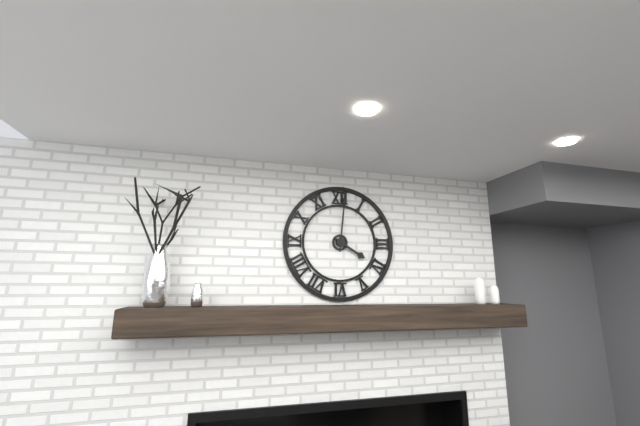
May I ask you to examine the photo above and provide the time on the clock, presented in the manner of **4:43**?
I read **4:01**
